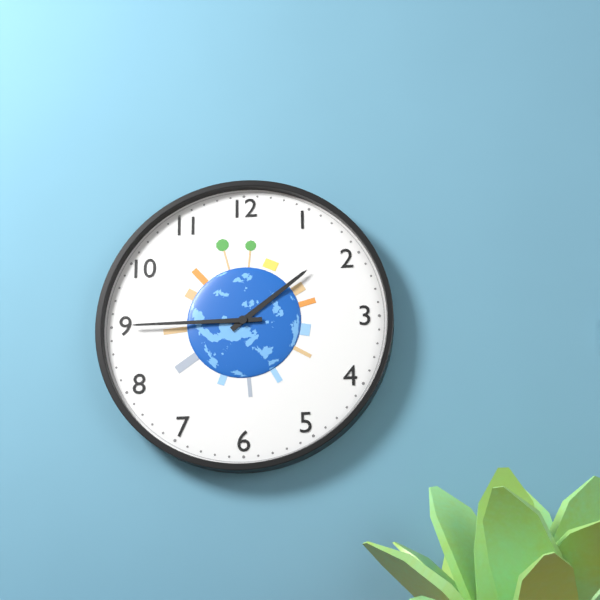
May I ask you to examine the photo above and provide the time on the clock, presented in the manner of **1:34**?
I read **1:45**
